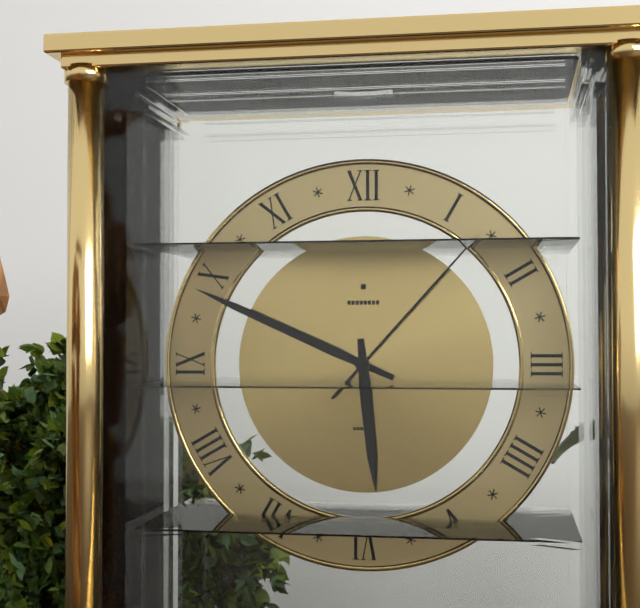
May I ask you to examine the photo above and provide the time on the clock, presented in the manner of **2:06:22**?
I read **5:49:07**
